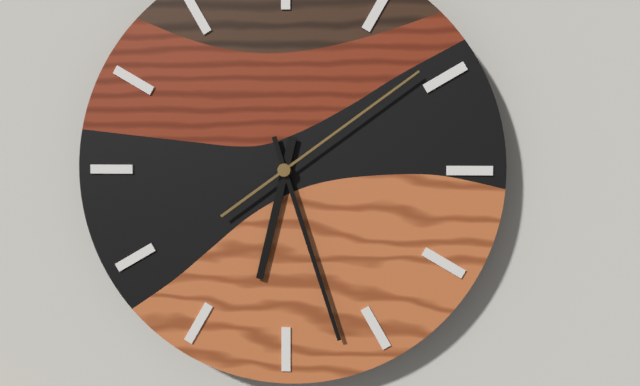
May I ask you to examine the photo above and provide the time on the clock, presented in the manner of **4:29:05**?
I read **6:27:09**
